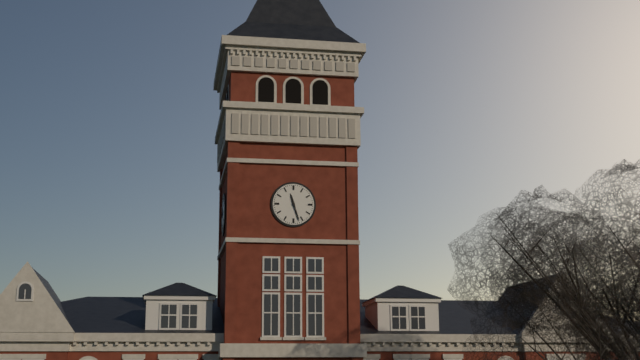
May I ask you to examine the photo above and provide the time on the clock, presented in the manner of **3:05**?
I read **11:27**
